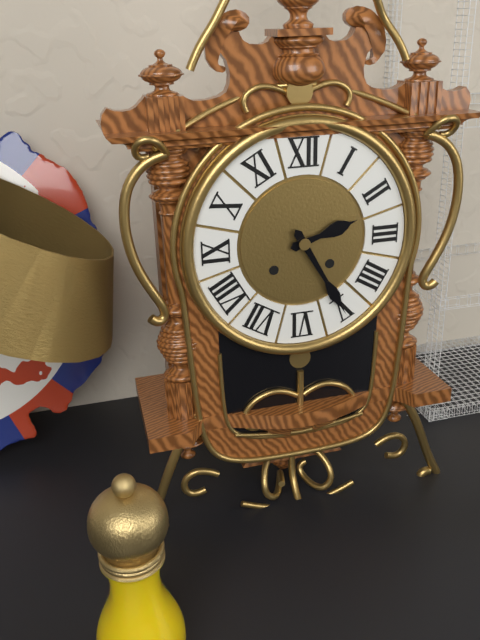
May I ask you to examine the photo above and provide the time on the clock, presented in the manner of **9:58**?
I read **2:25**
